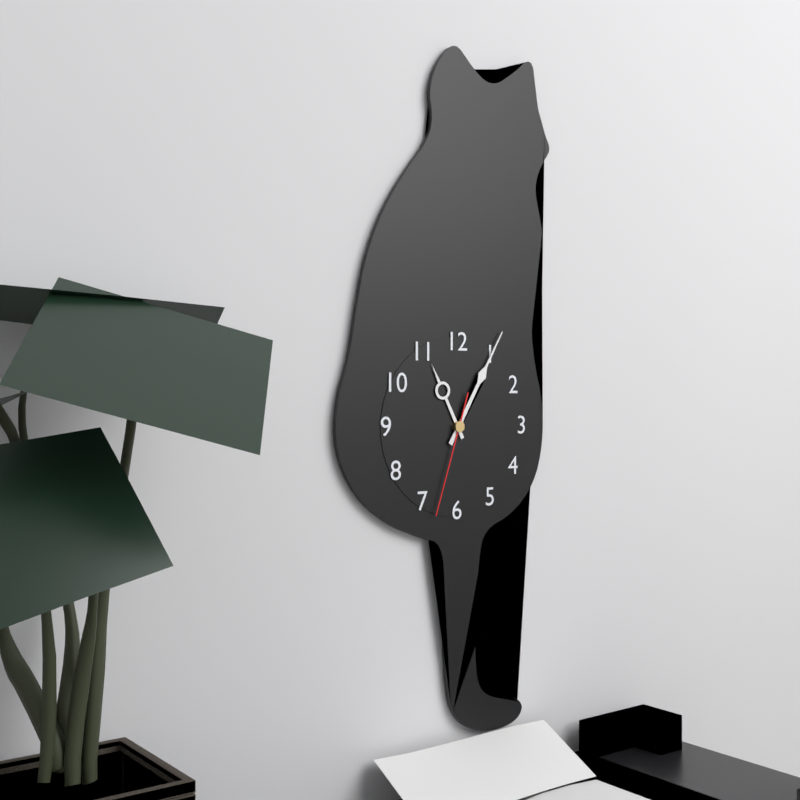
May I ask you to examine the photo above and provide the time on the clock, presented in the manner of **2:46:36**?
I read **11:05:33**
